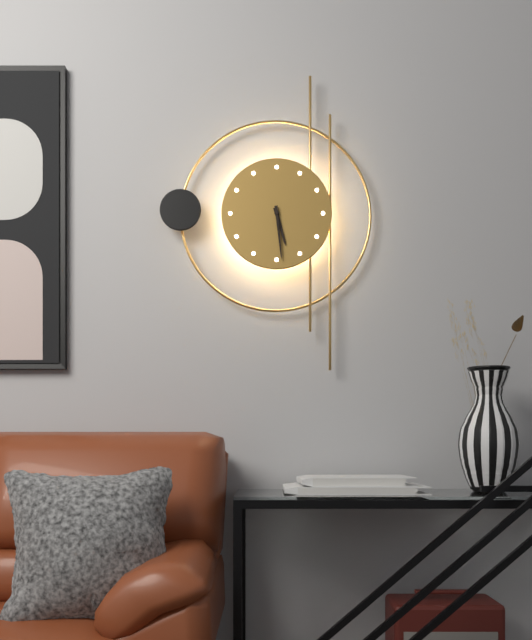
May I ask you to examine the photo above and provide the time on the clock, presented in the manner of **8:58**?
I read **5:29**
